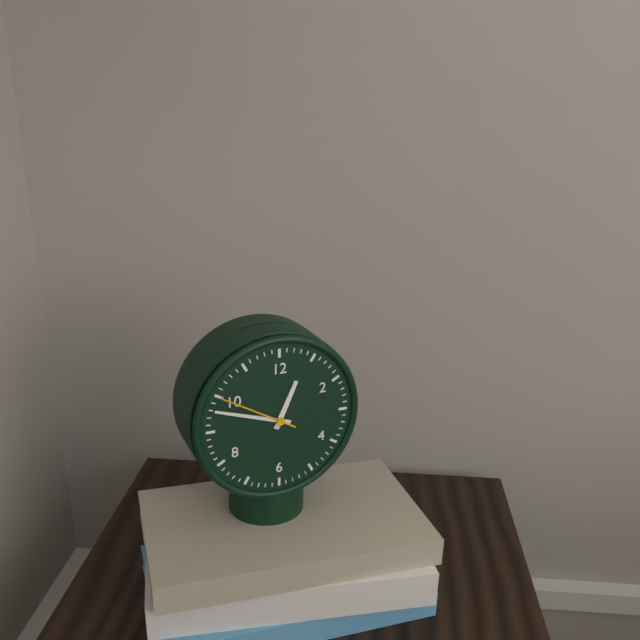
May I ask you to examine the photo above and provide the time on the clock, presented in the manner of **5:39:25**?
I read **12:48:50**
